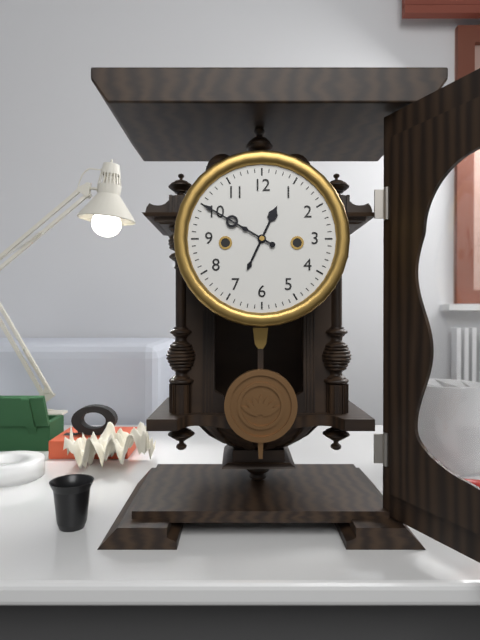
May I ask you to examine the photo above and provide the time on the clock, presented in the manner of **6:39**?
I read **12:50**
